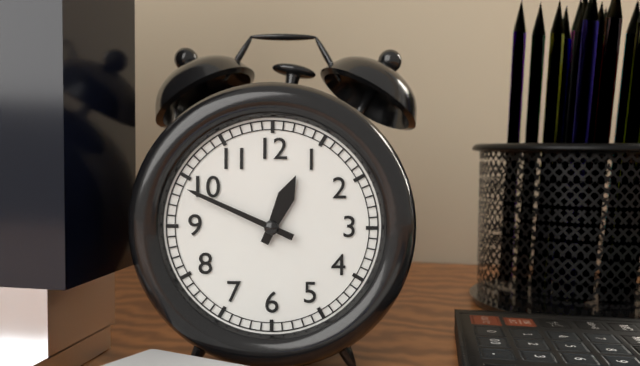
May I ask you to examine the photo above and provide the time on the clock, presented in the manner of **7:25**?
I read **12:49**
